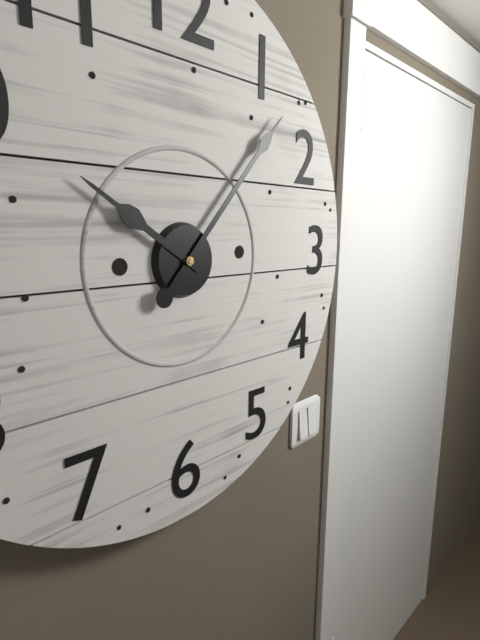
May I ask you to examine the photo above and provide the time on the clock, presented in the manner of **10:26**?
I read **10:07**
